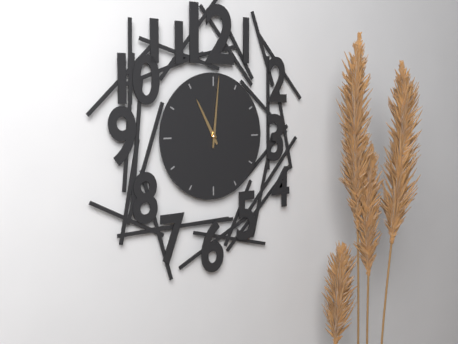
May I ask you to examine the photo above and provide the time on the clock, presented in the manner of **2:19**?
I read **11:01**
